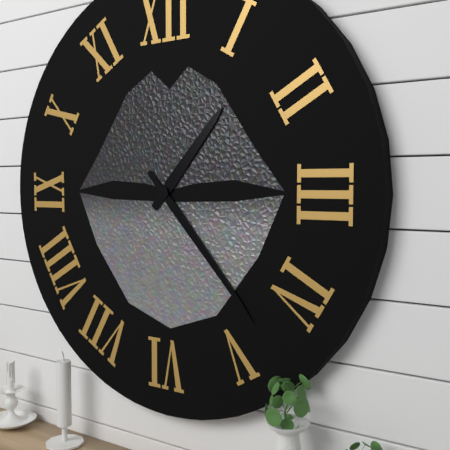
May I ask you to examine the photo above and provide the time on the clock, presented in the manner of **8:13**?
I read **1:23**
